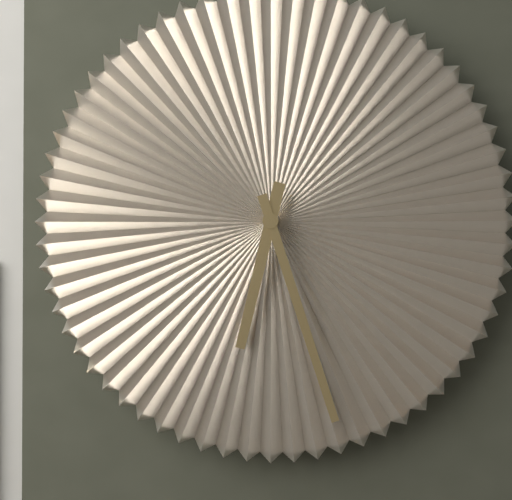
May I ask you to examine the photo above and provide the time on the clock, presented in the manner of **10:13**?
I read **6:27**
